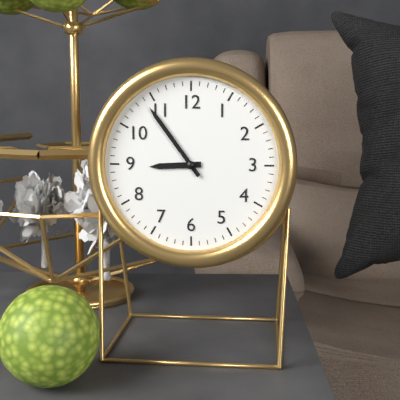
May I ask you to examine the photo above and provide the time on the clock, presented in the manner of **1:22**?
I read **8:54**
